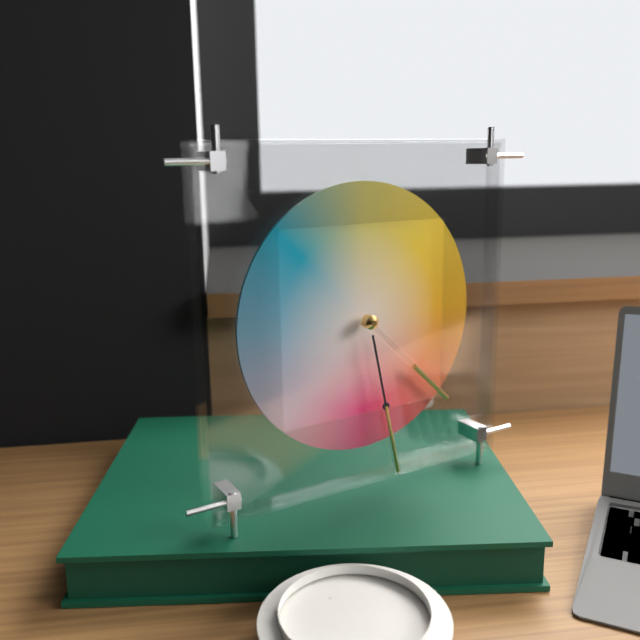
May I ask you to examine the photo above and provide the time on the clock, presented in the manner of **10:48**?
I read **4:28**
